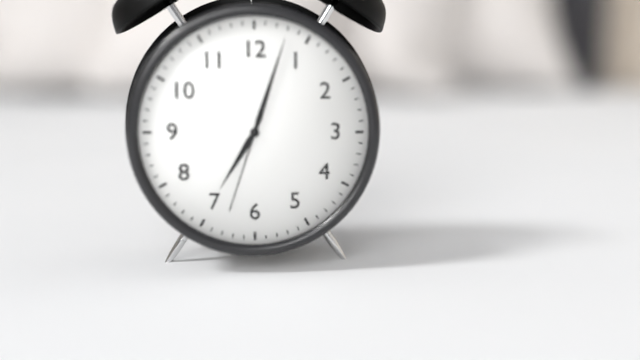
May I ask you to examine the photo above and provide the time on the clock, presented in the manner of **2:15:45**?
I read **7:03:33**
